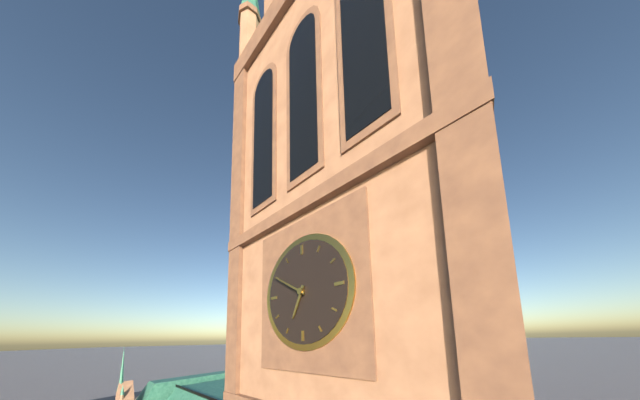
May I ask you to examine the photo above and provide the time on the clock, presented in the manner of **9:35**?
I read **6:50**
